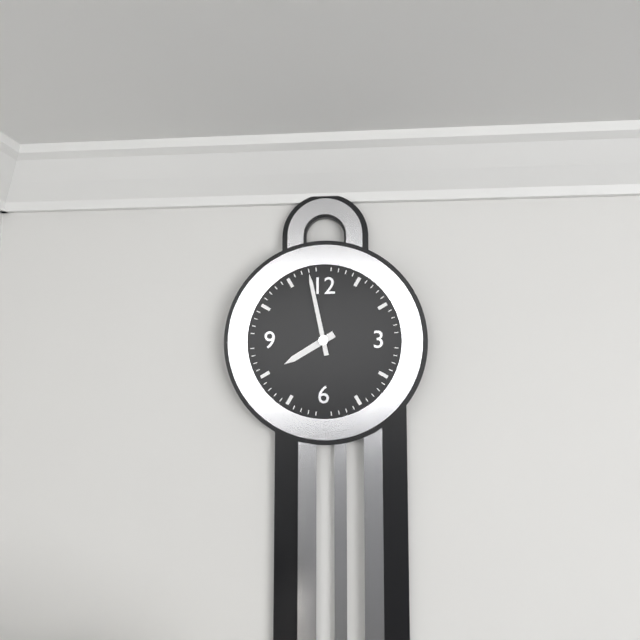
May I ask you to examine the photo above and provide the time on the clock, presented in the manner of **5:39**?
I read **7:58**
